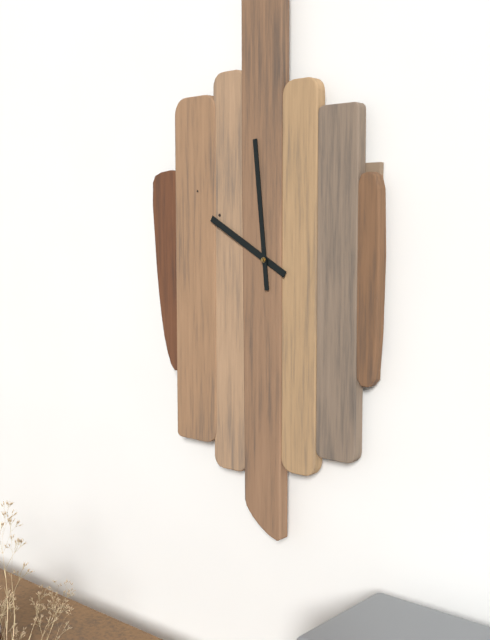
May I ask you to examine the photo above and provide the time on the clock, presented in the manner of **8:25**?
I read **9:59**
